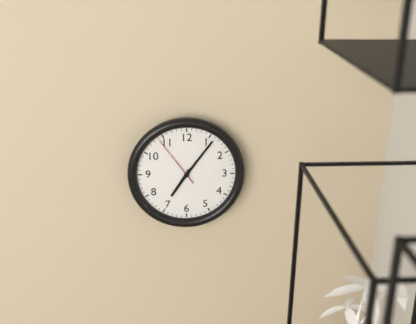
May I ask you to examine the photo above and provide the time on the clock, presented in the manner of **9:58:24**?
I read **7:06:54**
